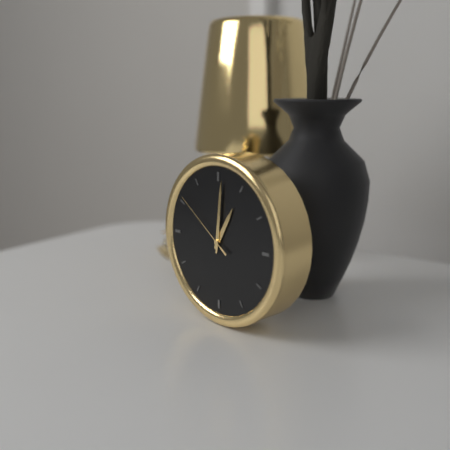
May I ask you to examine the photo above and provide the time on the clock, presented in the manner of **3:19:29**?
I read **1:01:51**
